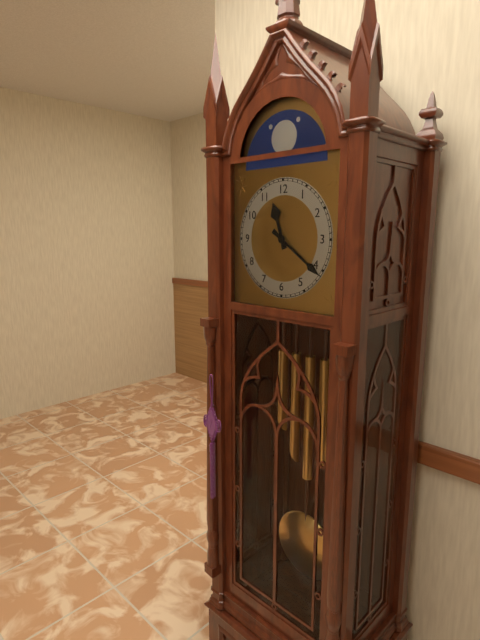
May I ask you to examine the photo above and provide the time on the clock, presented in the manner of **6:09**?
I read **11:21**
